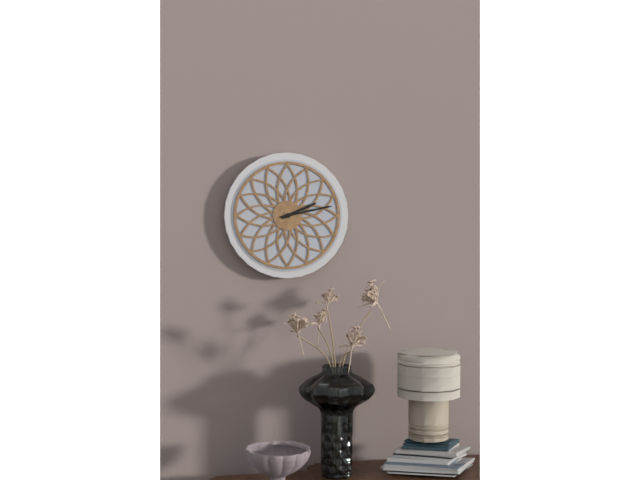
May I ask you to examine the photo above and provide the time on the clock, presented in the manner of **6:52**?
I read **2:13**
